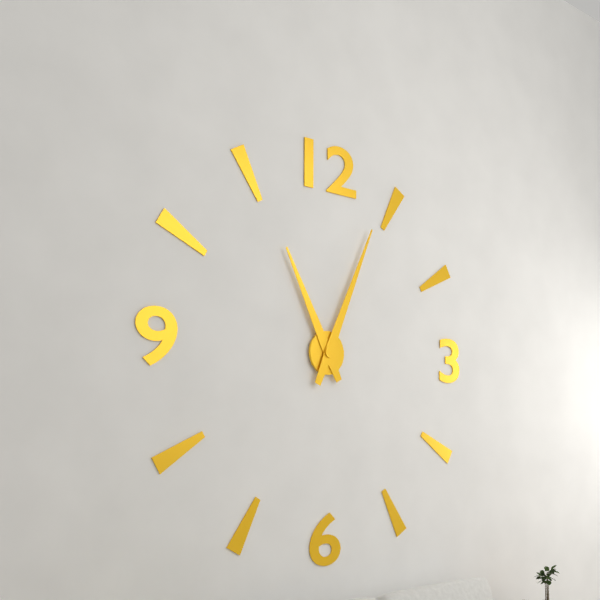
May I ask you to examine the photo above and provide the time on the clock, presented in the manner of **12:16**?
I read **11:04**
